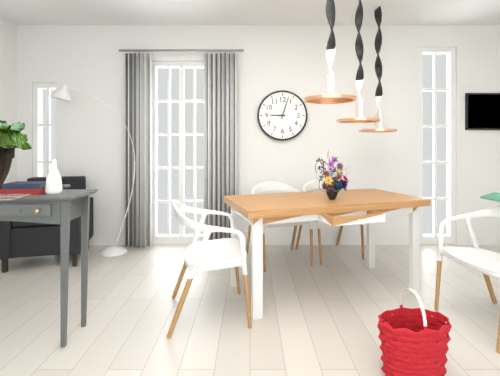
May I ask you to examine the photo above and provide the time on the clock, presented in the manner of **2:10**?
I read **9:03**
